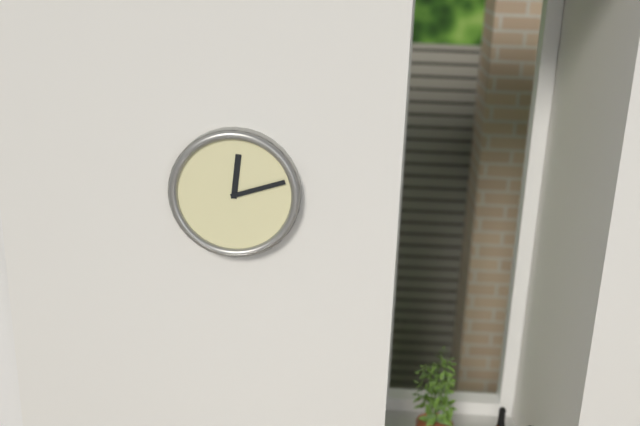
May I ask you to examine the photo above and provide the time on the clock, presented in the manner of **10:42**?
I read **12:12**
